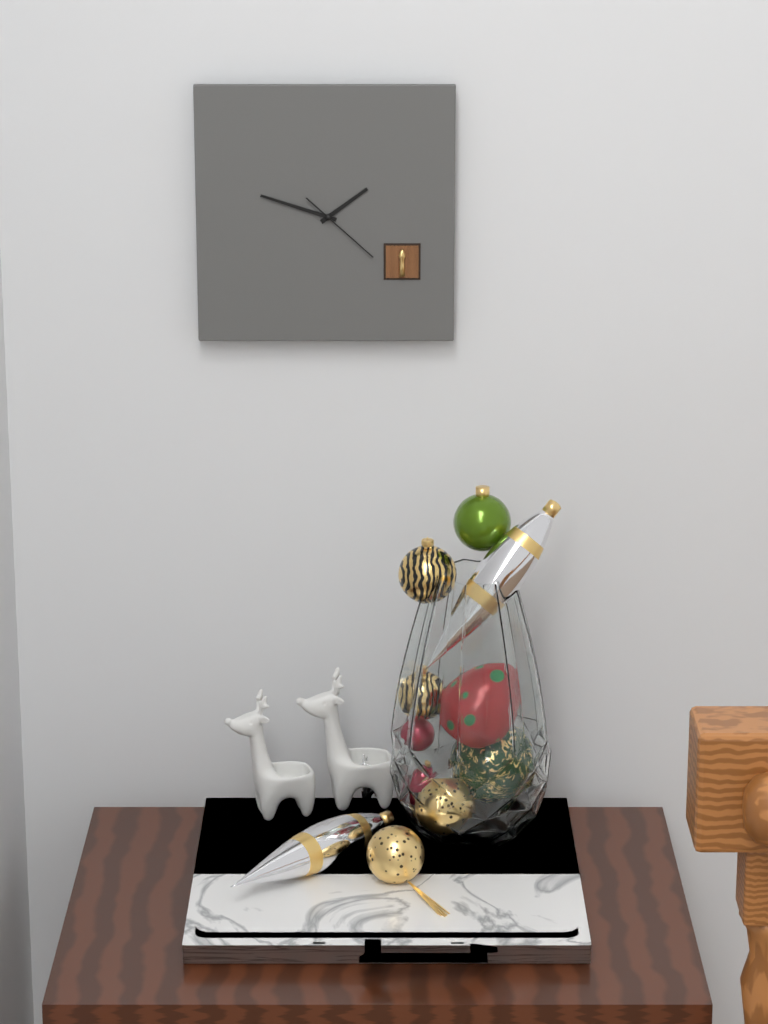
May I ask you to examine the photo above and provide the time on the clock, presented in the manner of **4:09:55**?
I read **1:48:22**
